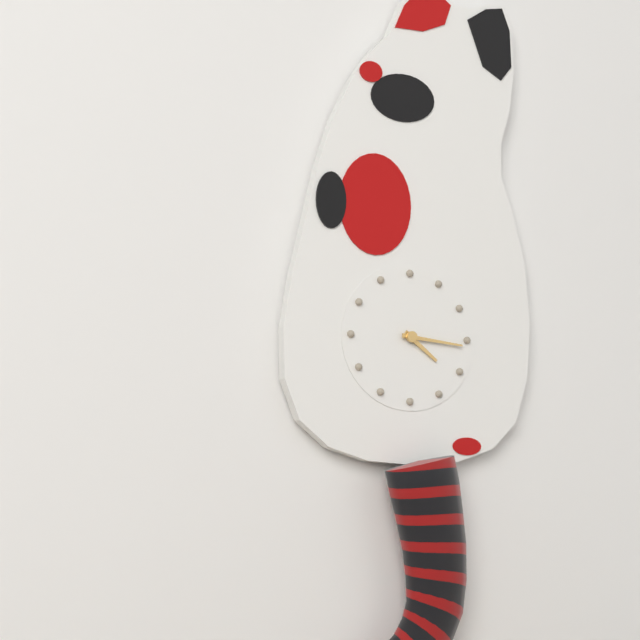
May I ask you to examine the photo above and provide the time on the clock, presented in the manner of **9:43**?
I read **4:16**
